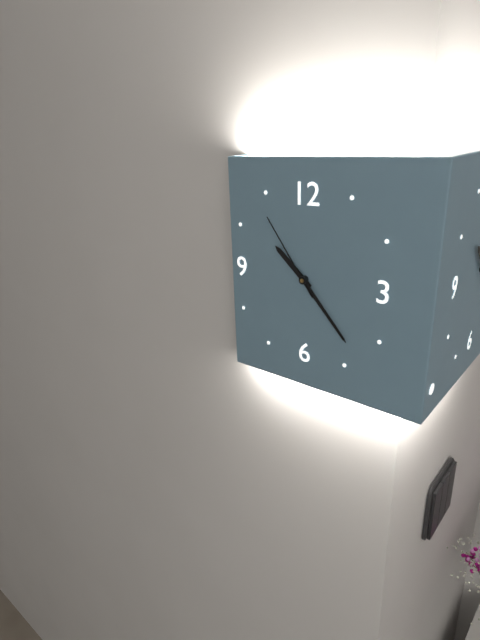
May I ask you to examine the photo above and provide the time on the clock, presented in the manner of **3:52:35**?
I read **10:23:54**
